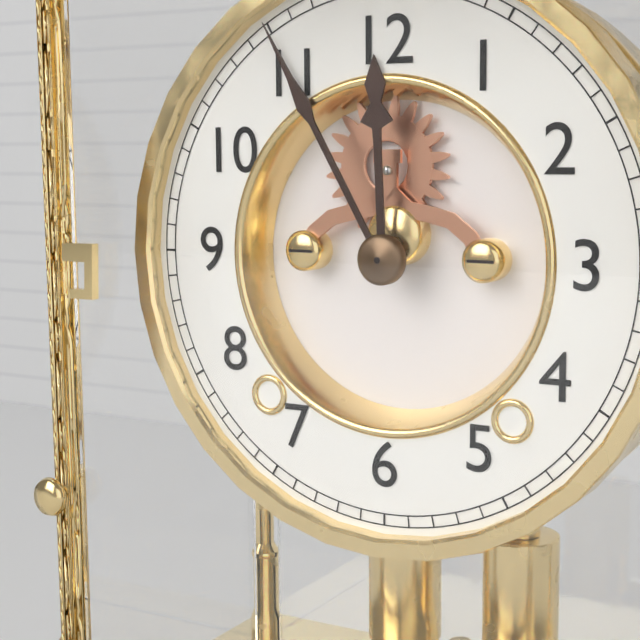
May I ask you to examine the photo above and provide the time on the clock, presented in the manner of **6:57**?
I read **11:55**
